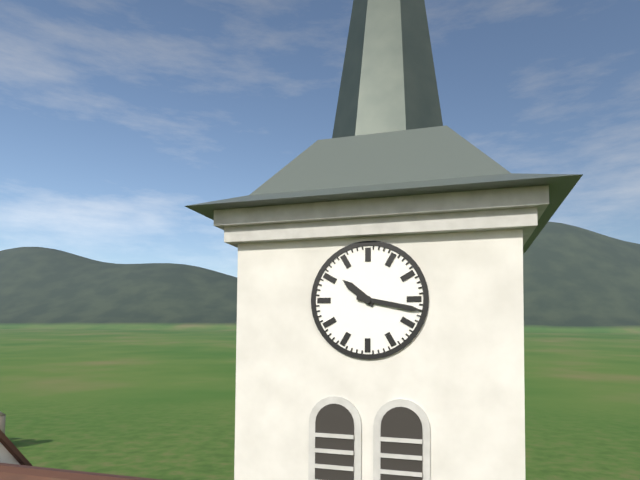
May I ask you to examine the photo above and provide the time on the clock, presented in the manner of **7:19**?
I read **10:17**
